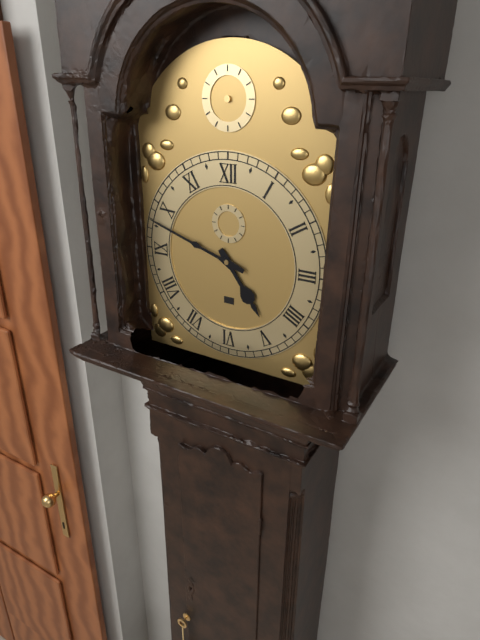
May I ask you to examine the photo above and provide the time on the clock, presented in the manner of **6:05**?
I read **4:48**
